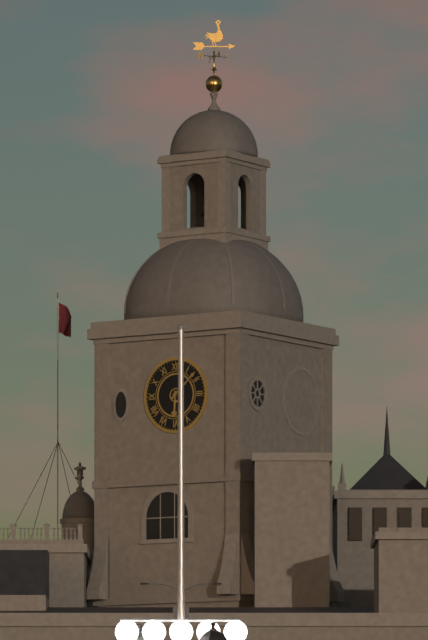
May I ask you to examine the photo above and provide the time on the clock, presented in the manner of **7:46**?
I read **6:08**
